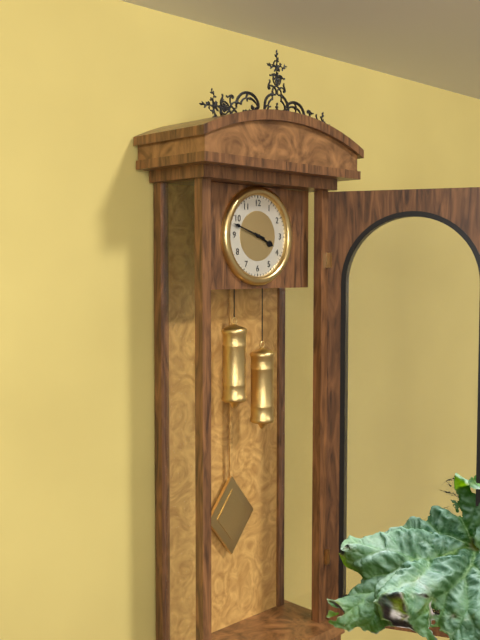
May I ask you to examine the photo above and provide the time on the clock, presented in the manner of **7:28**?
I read **3:48**
